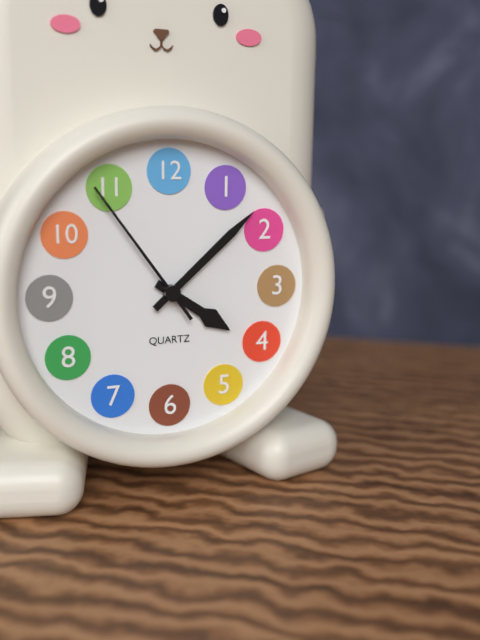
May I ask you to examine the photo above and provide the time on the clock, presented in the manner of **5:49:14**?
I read **4:08:54**
